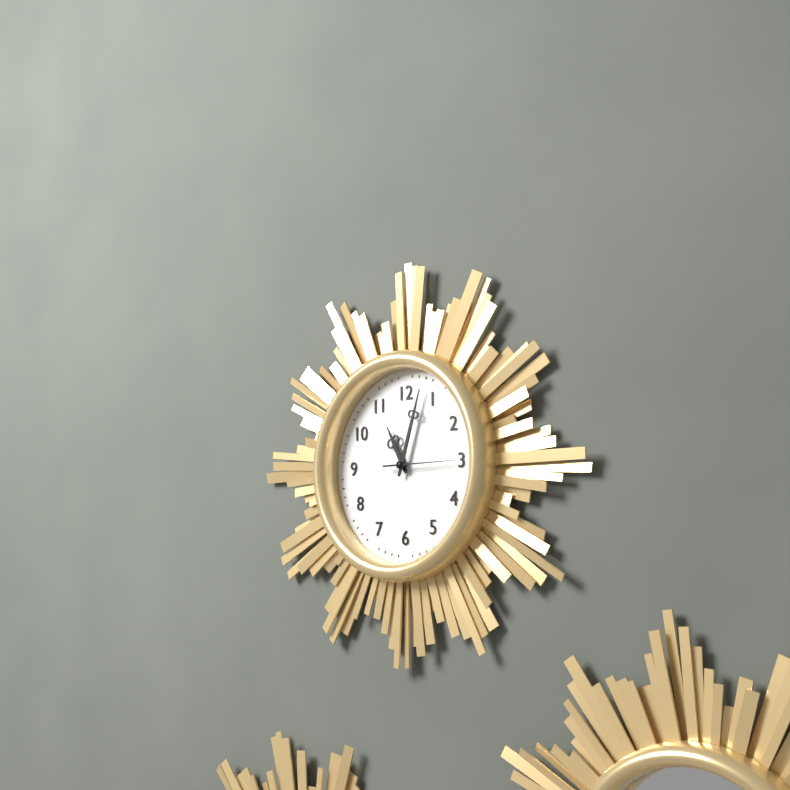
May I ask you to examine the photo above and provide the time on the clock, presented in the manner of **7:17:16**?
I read **11:03:15**
